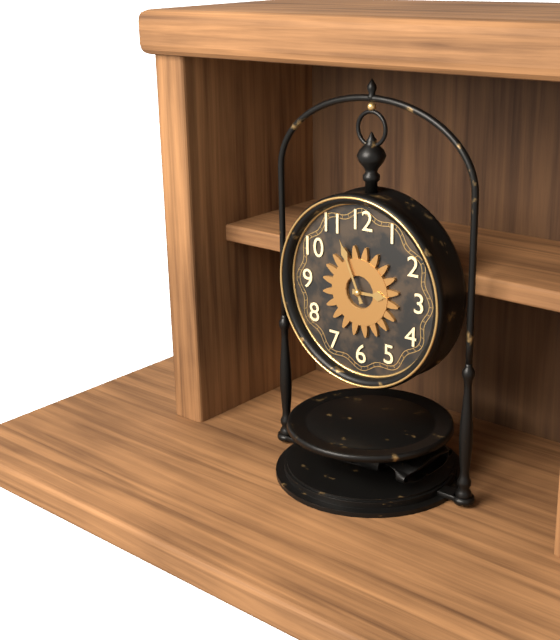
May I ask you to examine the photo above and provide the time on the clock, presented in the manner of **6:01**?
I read **2:56**
